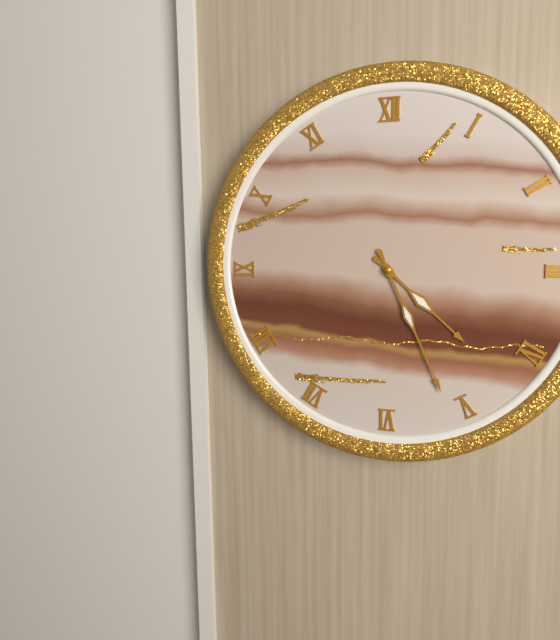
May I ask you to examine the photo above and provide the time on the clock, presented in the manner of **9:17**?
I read **4:26**
